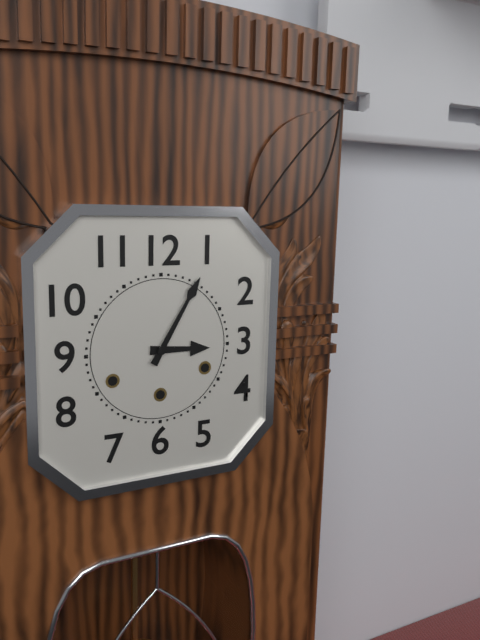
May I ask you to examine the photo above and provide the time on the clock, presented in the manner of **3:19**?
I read **3:05**
